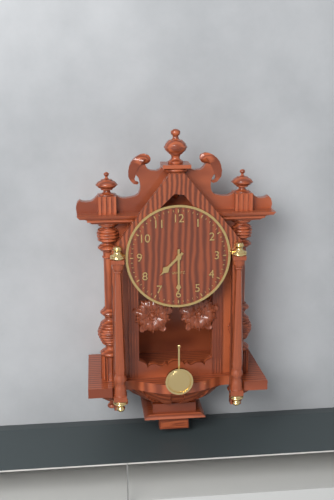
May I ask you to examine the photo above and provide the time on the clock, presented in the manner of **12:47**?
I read **7:30**
